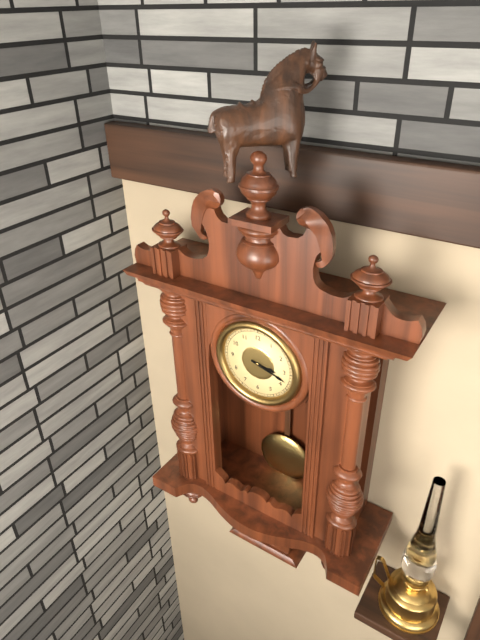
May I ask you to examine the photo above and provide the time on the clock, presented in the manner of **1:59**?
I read **3:18**
